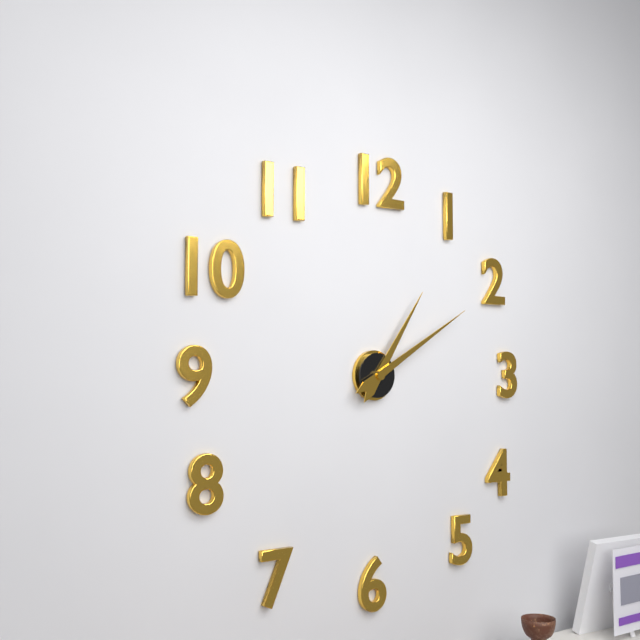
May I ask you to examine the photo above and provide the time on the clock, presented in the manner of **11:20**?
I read **1:10**
